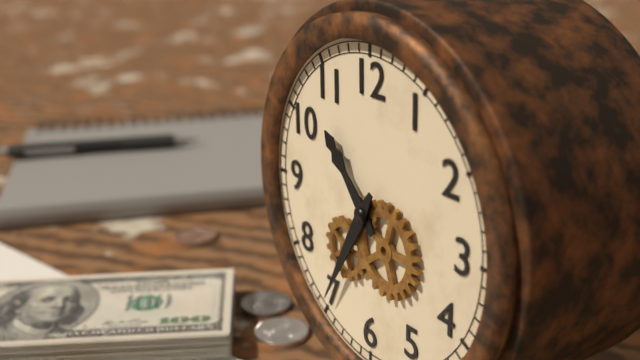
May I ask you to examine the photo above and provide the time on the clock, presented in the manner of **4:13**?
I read **10:35**
